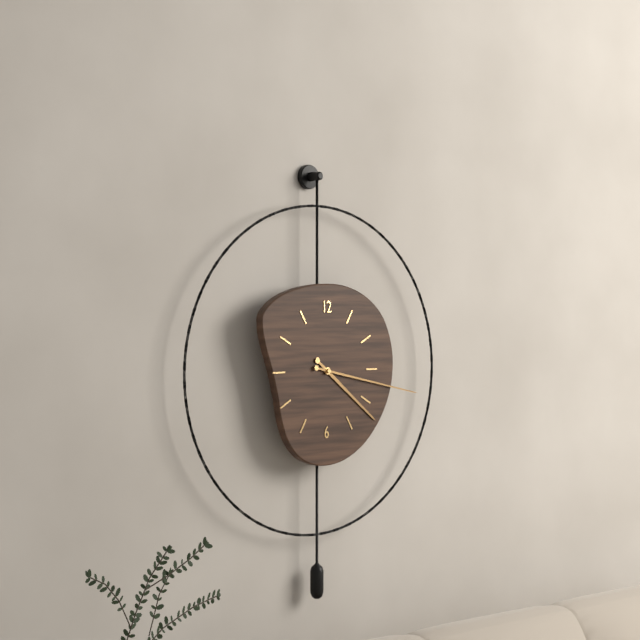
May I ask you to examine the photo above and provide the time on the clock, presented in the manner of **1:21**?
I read **4:17**
